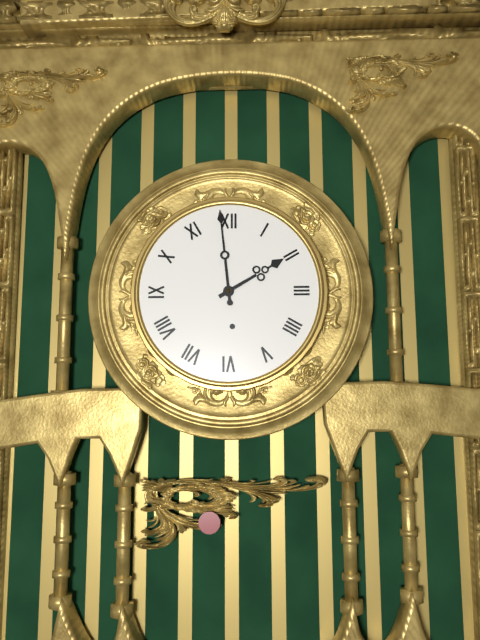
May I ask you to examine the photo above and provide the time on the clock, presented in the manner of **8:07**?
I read **1:59**
